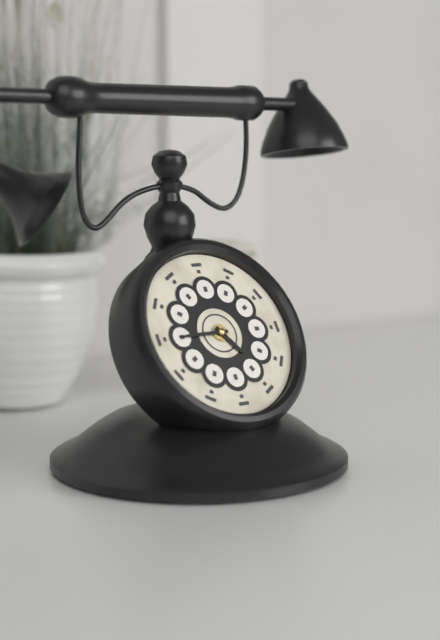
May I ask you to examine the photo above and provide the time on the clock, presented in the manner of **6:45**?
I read **4:45**
